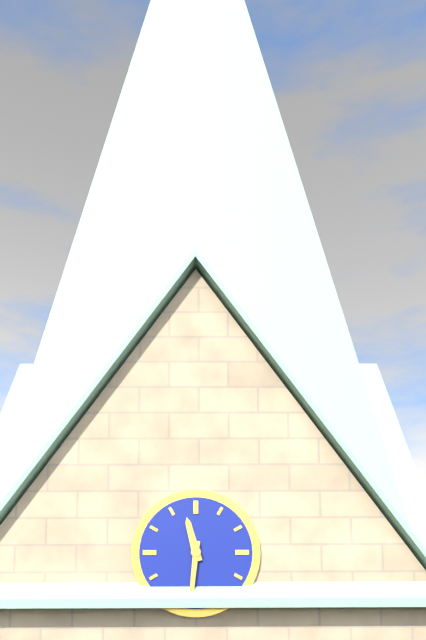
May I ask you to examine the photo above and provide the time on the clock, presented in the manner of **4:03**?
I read **11:31**
